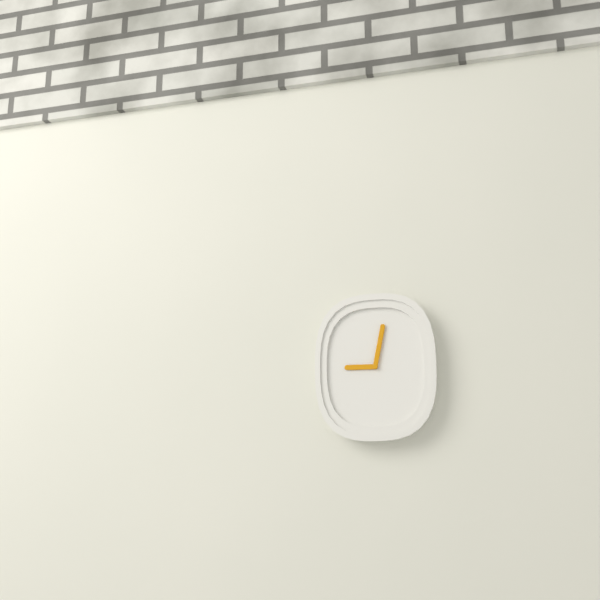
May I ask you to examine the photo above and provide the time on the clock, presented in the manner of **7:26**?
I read **9:02**
